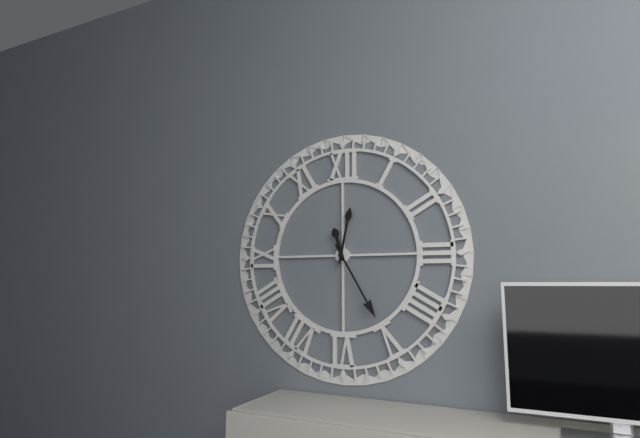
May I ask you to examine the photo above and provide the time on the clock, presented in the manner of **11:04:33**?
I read **11:25:02**
